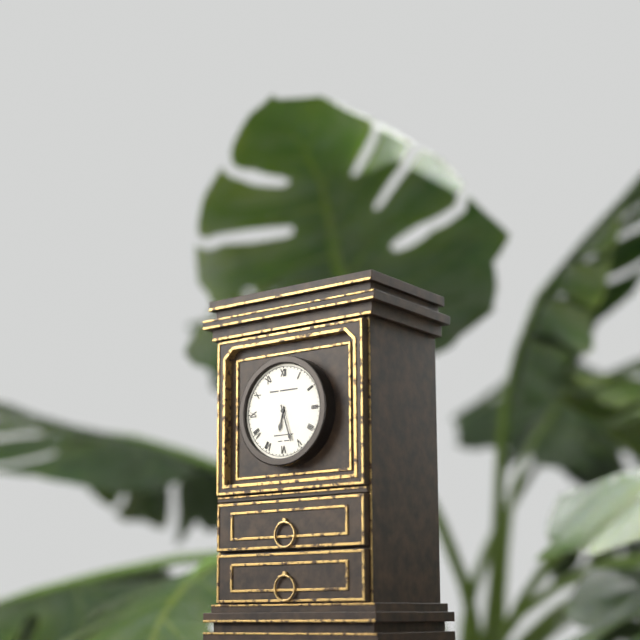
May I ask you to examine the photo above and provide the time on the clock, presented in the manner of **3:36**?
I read **6:27**
